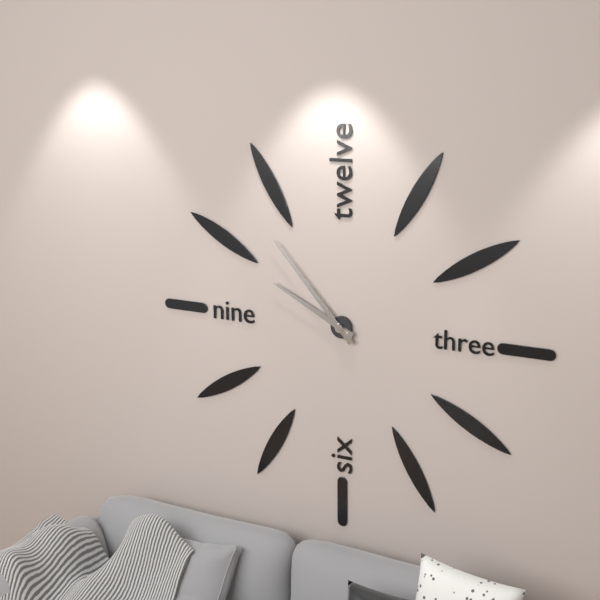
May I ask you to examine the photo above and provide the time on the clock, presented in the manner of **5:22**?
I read **9:53**
